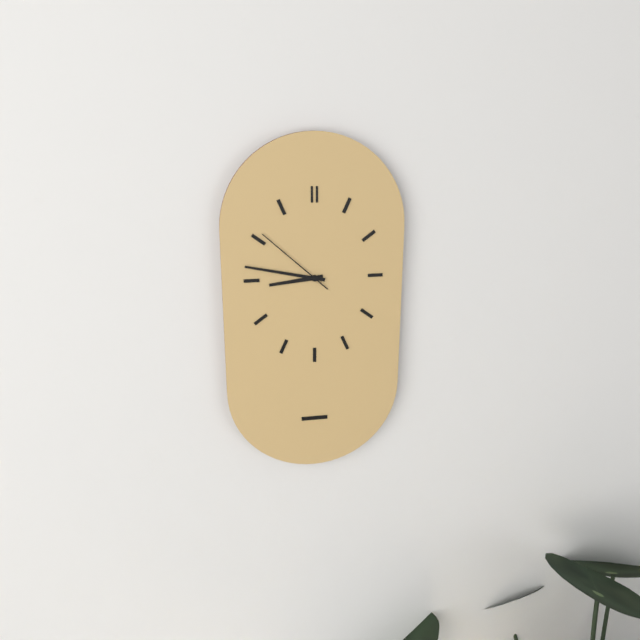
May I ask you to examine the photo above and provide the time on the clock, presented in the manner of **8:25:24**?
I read **8:47:52**
